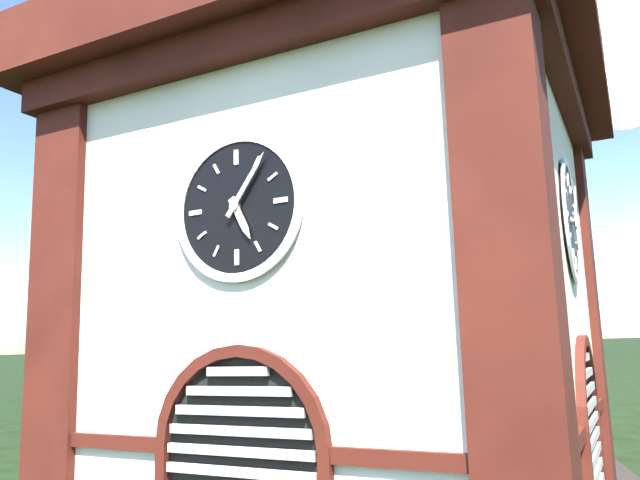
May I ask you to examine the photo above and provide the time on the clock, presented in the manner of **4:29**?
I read **5:06**
